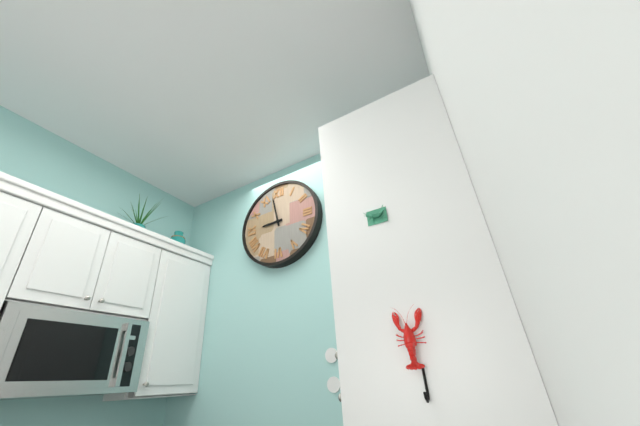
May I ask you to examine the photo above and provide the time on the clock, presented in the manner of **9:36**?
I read **8:58**
